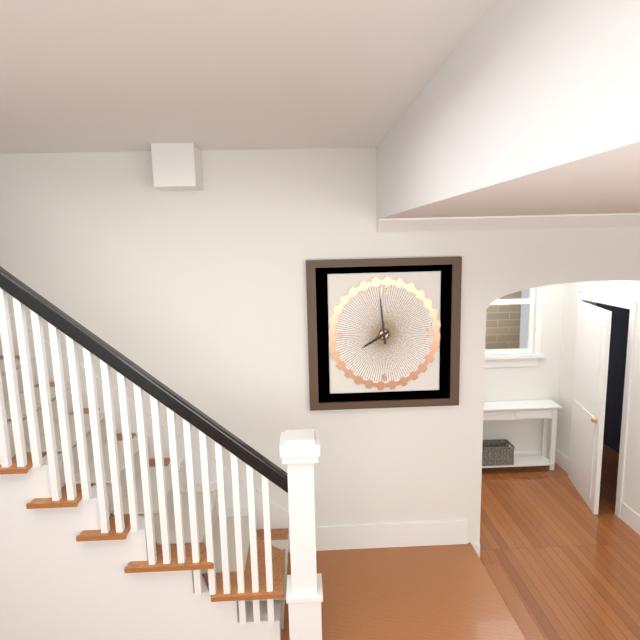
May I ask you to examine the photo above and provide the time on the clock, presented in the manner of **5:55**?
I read **7:59**
